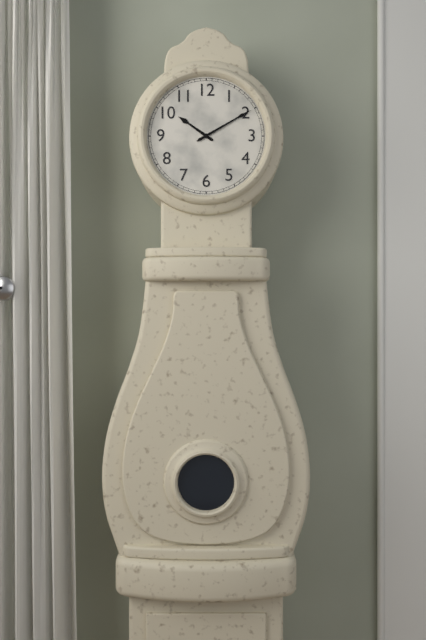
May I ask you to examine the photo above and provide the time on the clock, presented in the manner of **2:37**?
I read **10:10**
